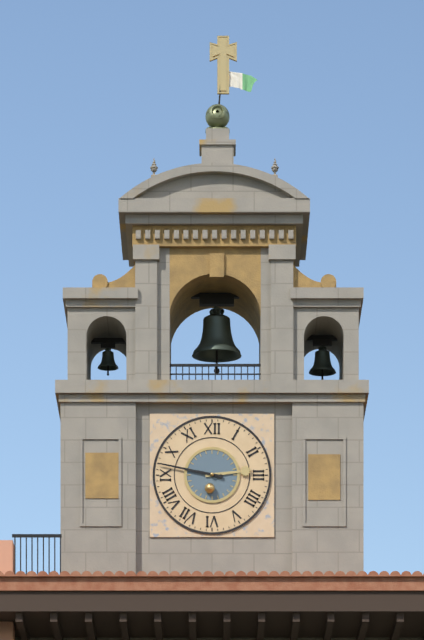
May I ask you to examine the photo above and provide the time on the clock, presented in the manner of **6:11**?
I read **2:47**
